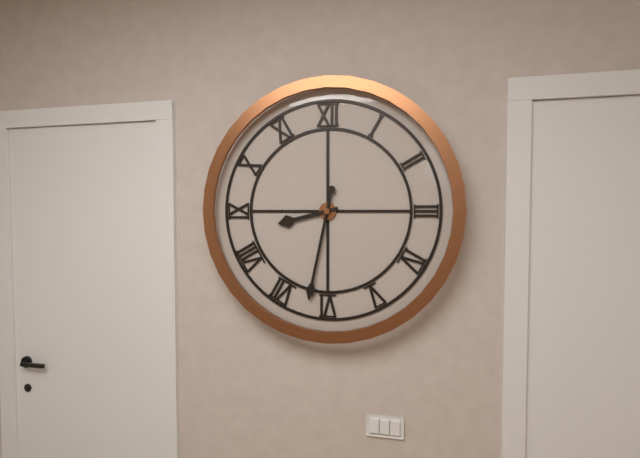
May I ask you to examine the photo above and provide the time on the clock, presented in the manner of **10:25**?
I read **8:32**
